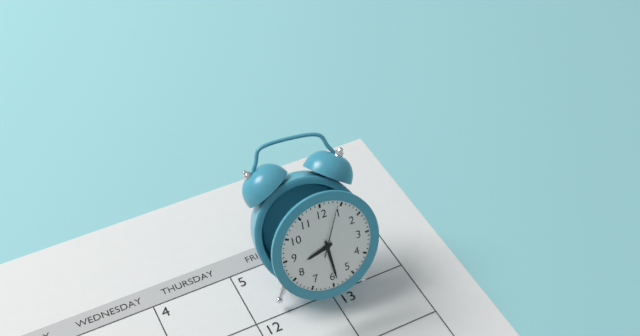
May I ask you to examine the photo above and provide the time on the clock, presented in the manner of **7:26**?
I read **8:29**
